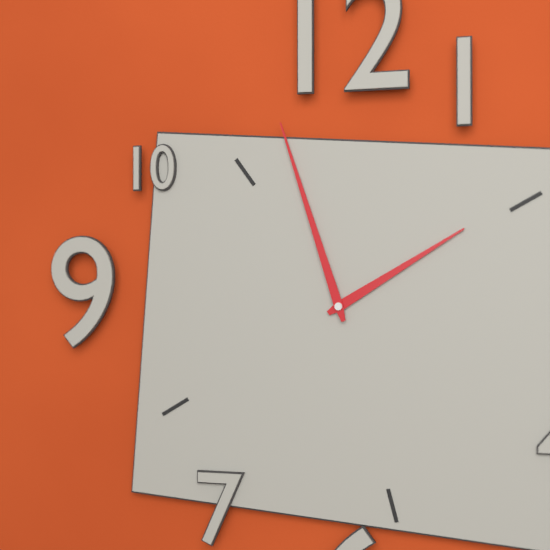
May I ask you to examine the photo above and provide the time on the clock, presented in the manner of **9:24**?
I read **1:57**
